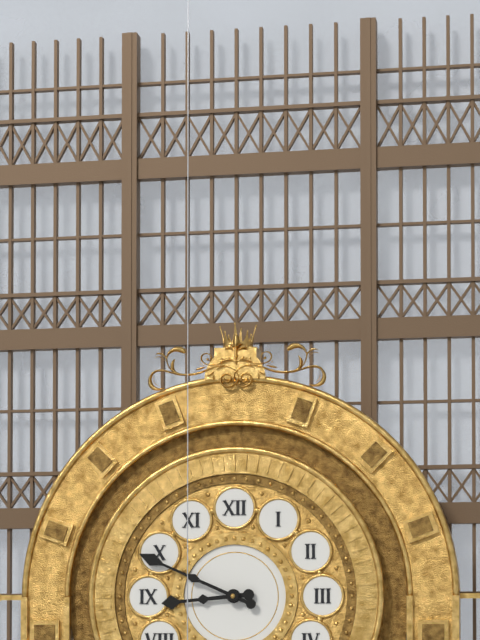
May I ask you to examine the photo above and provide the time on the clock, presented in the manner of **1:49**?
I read **8:49**
